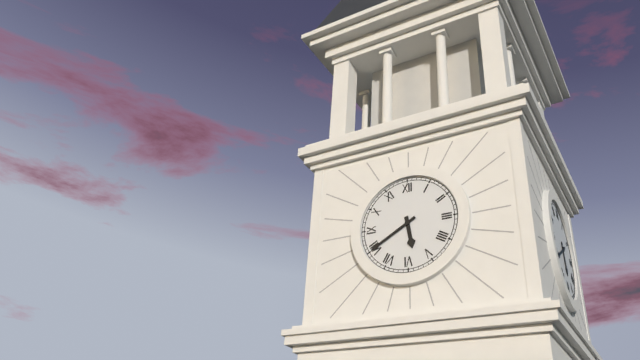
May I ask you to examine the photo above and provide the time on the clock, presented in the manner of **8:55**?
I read **5:40**
